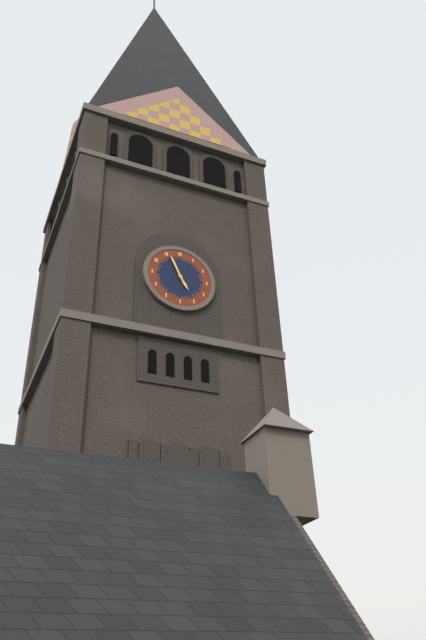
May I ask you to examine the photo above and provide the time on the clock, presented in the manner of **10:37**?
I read **4:56**
